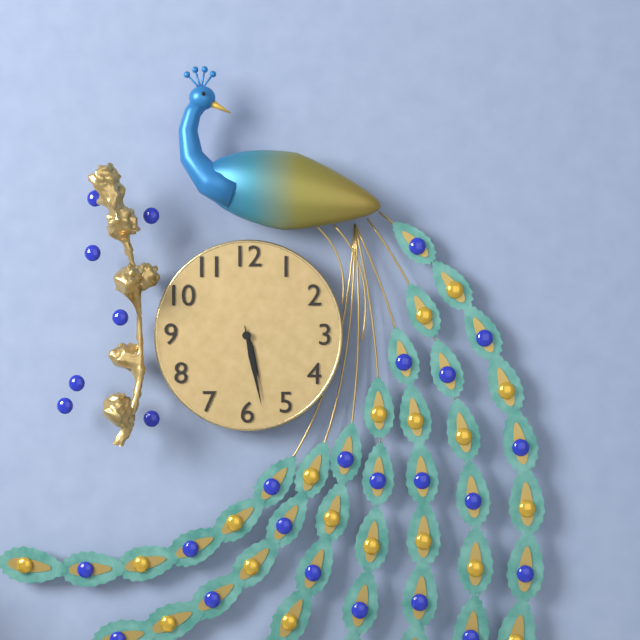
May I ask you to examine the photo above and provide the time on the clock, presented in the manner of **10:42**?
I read **5:28**
